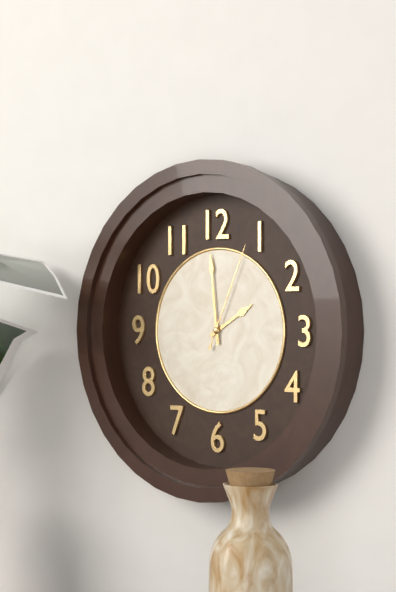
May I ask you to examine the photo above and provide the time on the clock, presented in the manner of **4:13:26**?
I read **1:59:04**
